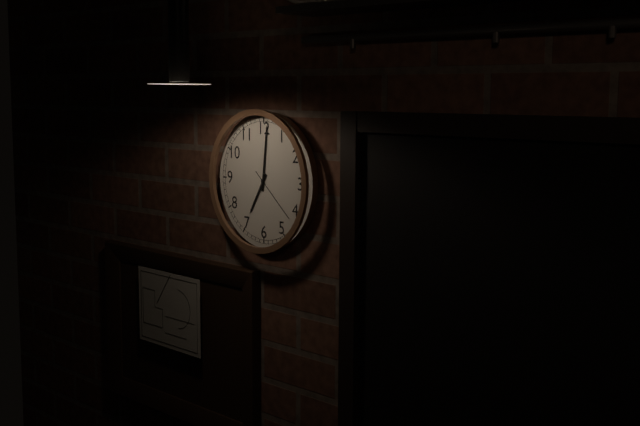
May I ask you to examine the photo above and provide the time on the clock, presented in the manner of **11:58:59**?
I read **7:01:22**
